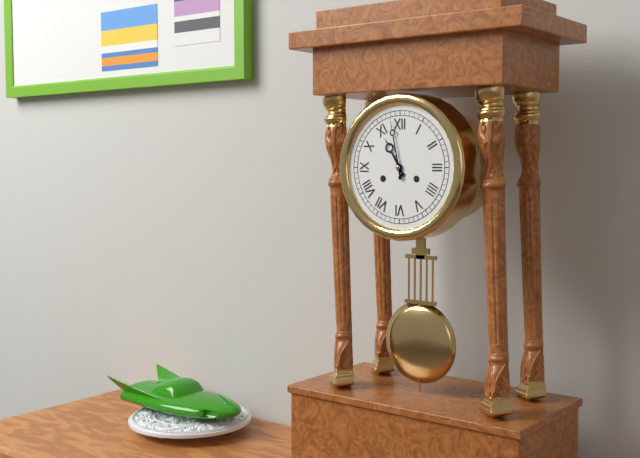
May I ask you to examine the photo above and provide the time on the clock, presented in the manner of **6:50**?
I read **10:58**
